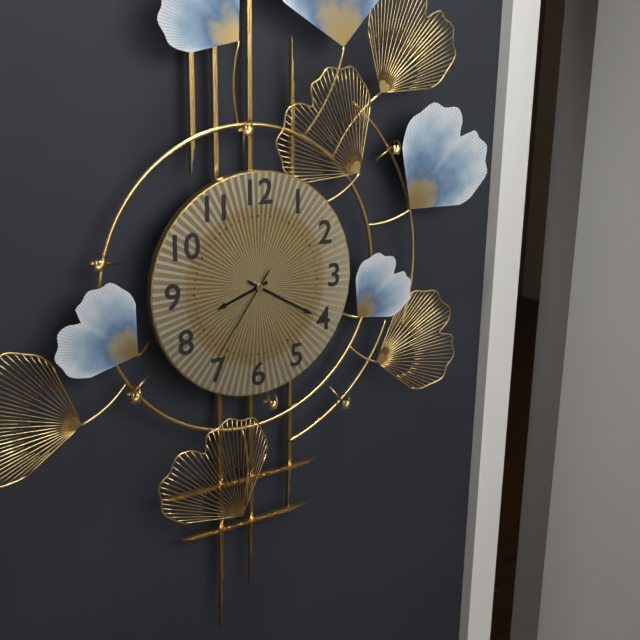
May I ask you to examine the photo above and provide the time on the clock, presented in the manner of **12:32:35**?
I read **8:20:36**
